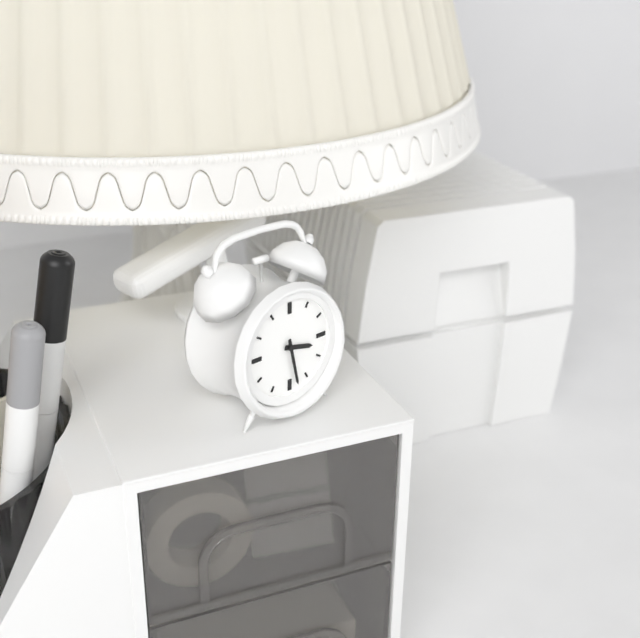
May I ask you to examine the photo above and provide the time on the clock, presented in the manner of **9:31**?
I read **3:28**
